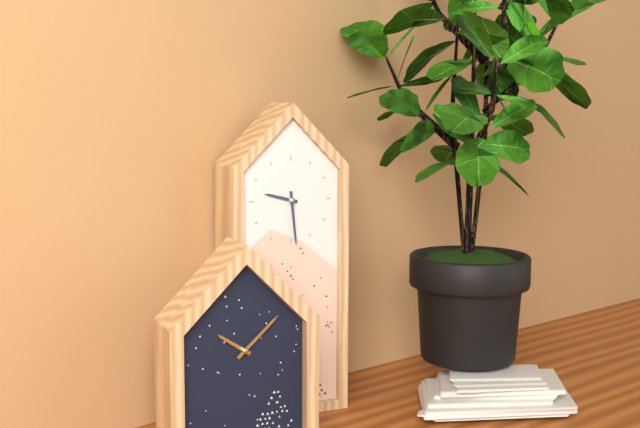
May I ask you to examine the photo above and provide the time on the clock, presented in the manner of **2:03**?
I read **9:29**
